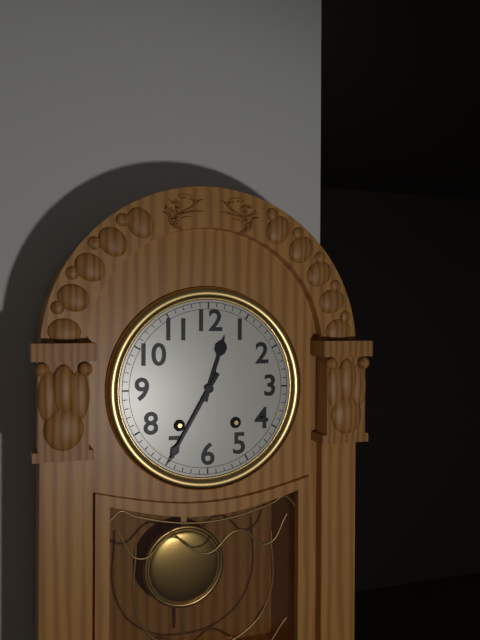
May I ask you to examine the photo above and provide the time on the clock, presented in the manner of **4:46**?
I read **12:35**
